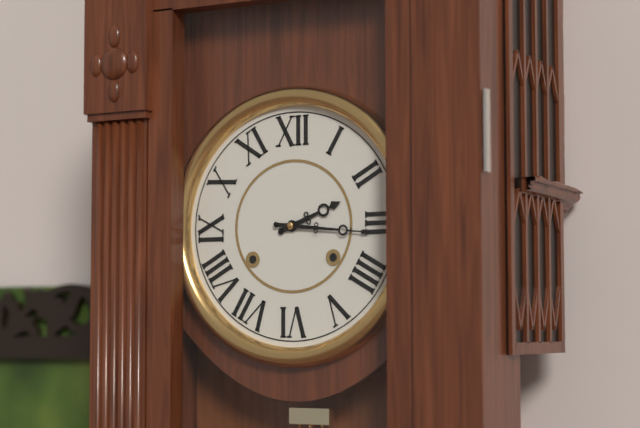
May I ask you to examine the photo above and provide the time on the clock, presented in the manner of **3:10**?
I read **2:16**
